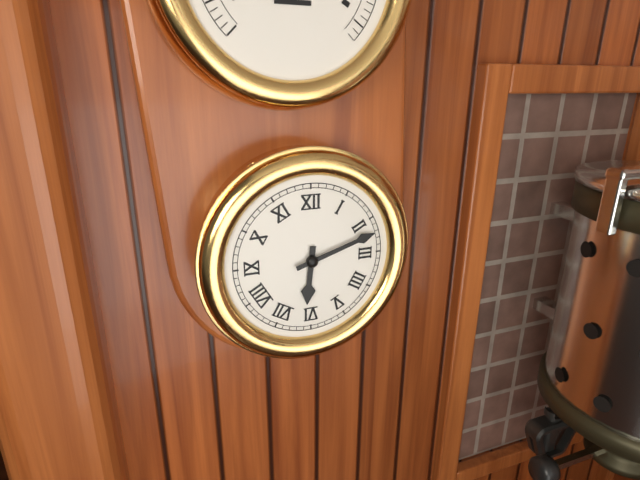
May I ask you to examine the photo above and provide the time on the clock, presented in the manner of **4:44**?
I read **6:12**
